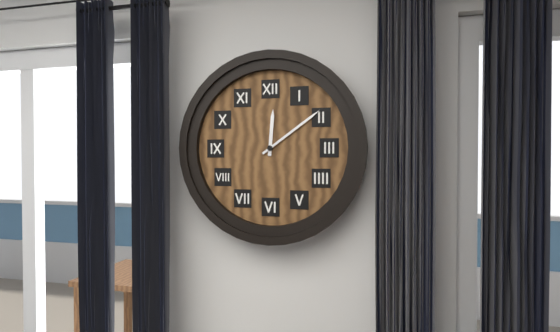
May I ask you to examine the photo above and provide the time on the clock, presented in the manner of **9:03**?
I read **12:09**
